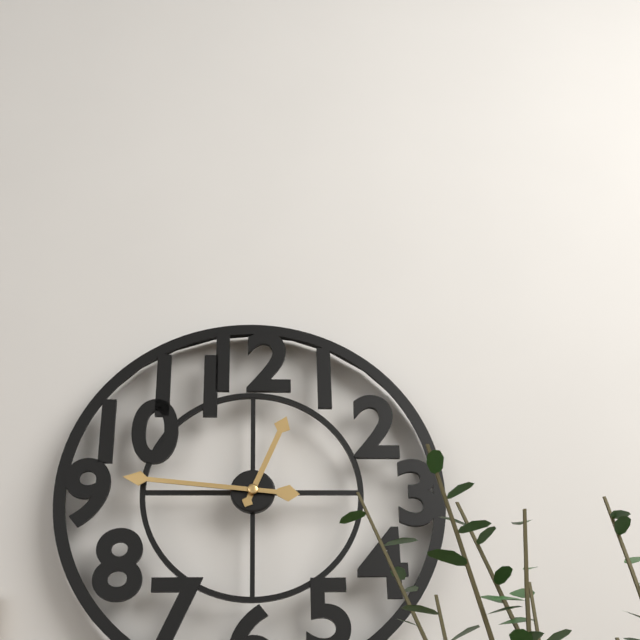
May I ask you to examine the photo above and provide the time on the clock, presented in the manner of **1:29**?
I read **12:46**
